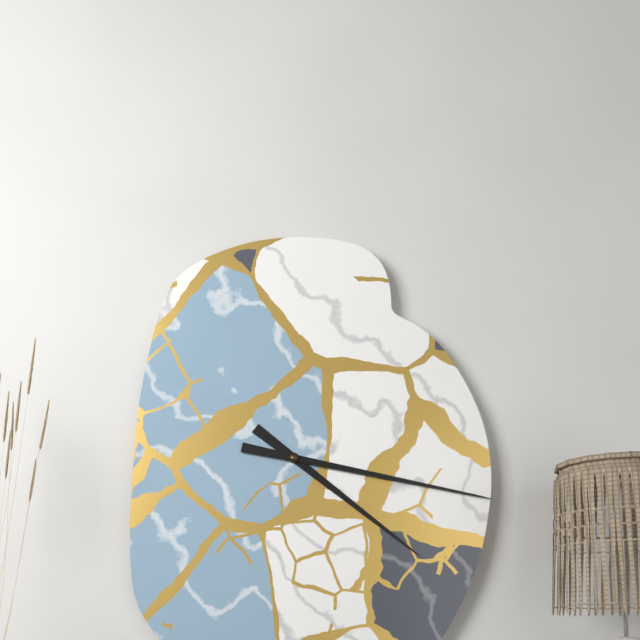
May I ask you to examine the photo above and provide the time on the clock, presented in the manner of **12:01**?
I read **4:17**
